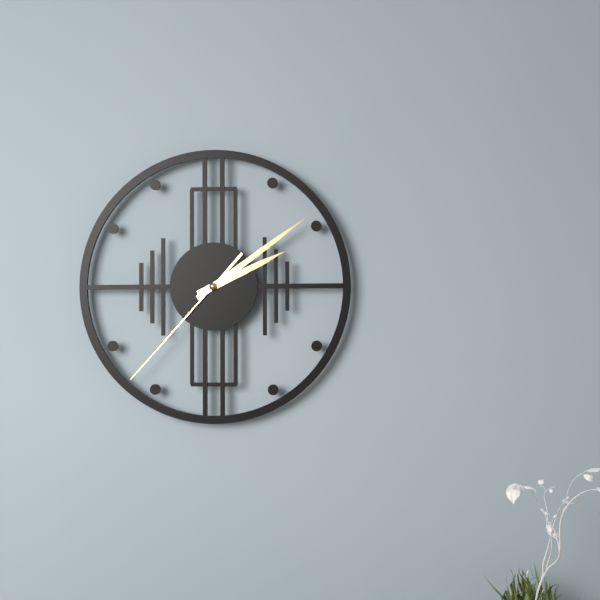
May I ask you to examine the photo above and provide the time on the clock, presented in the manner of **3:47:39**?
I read **2:09:37**
